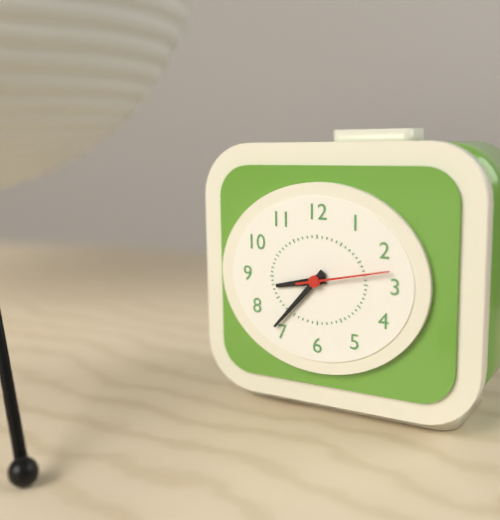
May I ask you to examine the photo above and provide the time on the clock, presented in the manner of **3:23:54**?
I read **8:37:13**
